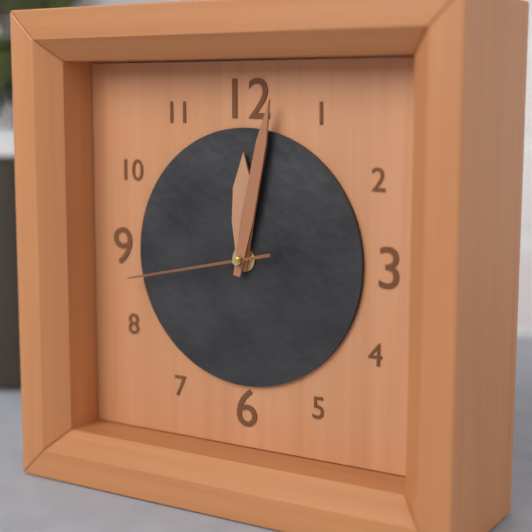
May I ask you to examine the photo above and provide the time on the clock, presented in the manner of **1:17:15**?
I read **12:02:43**
